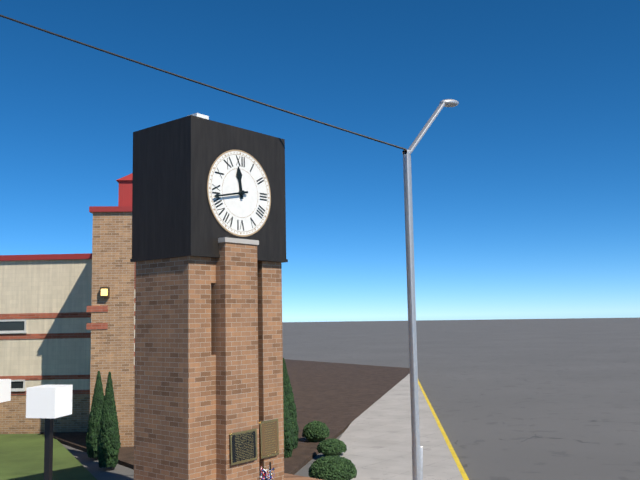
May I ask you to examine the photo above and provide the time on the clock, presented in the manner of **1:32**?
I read **11:43**
